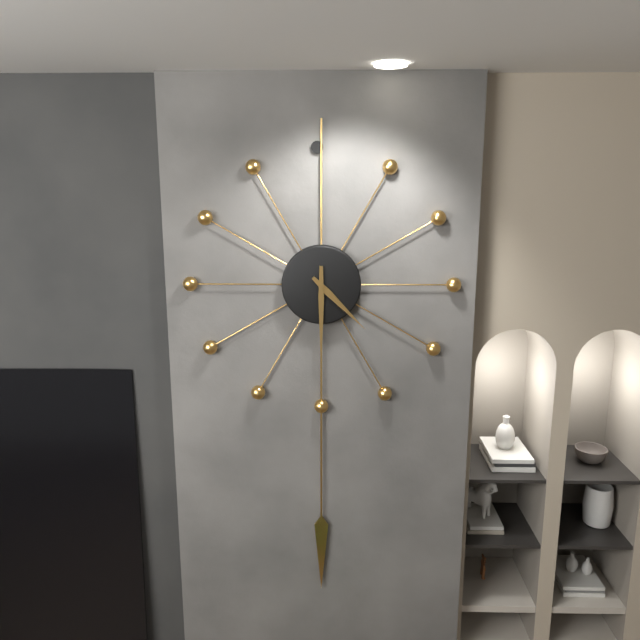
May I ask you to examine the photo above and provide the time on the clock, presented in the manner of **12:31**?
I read **4:30**
